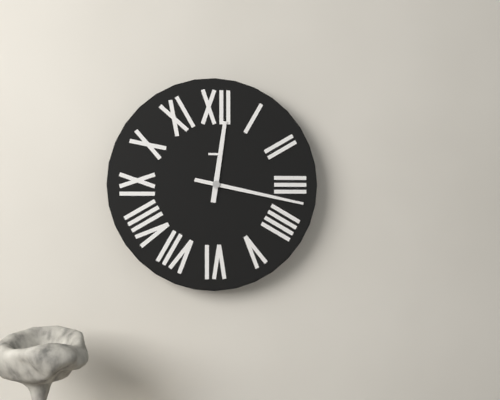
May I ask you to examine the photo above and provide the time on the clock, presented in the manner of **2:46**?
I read **12:17**
